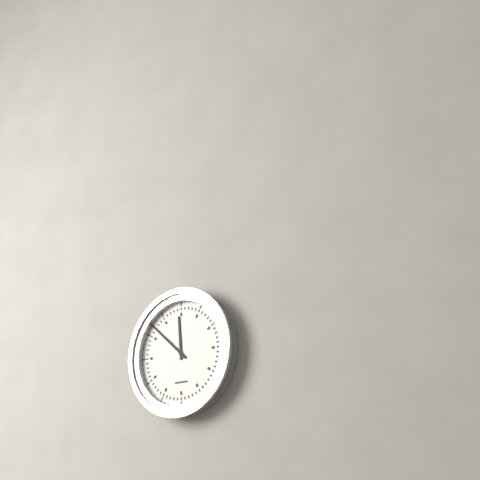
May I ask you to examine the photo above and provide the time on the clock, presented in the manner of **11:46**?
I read **11:52**
